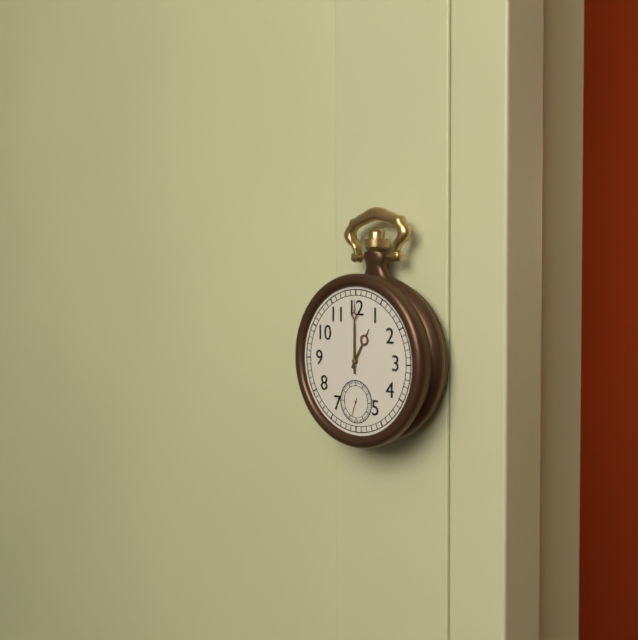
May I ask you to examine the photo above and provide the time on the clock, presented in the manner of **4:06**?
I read **1:00**
